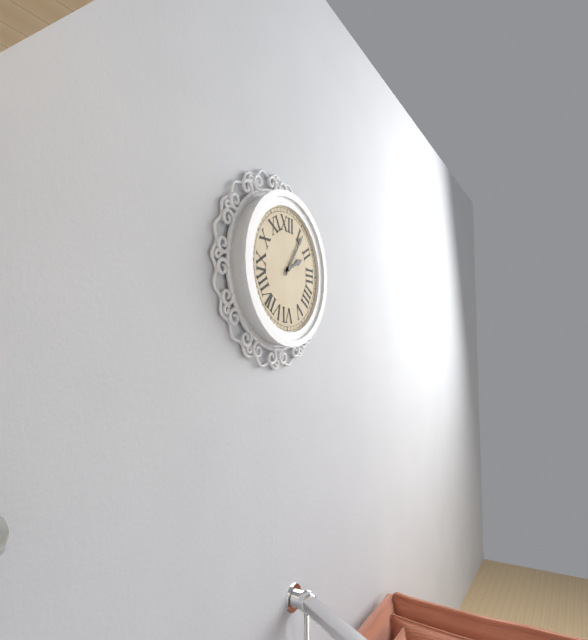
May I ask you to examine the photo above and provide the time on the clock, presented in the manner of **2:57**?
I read **2:06**
